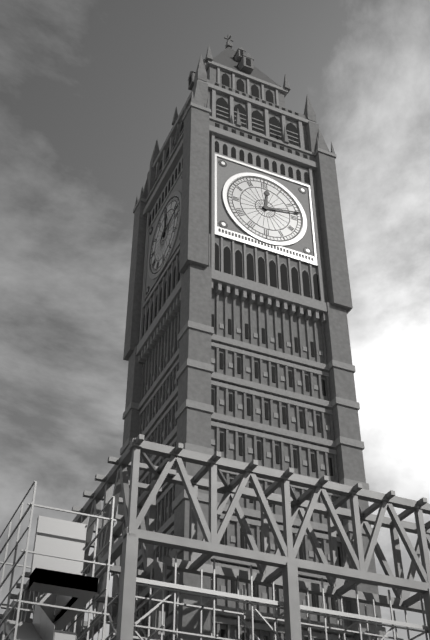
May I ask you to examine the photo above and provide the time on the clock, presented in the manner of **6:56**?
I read **12:13**
